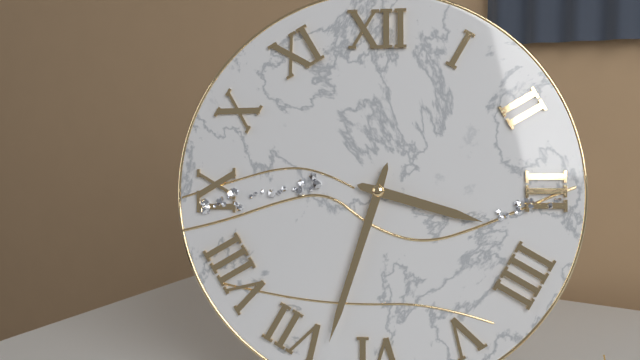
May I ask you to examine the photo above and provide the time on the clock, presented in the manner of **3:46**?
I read **3:33**
